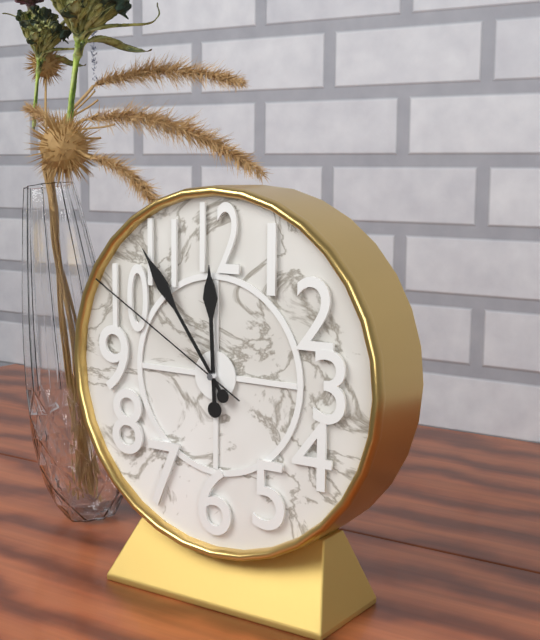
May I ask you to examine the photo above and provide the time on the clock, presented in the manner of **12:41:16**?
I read **11:54:50**
